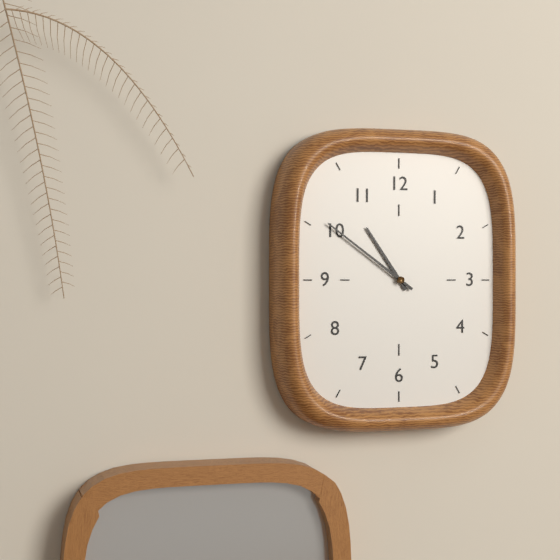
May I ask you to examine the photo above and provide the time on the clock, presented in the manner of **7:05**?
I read **10:51**
